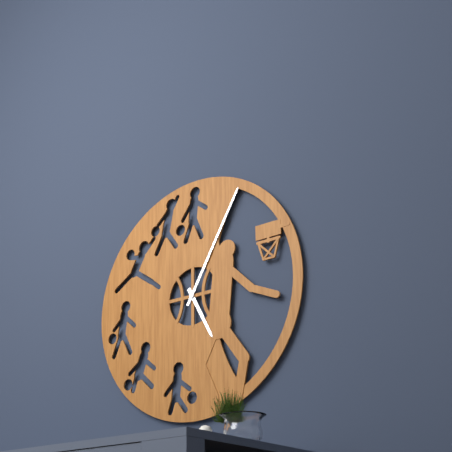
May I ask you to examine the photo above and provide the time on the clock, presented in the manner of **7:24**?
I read **5:05**
